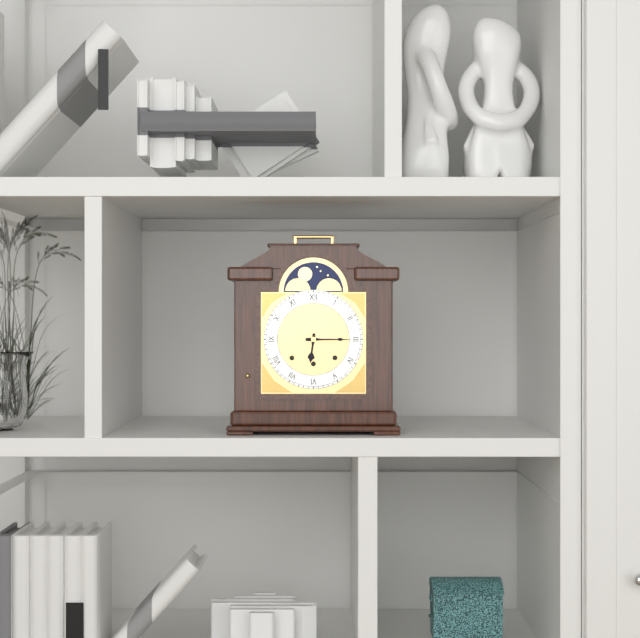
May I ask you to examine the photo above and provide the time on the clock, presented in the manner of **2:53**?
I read **6:15**
